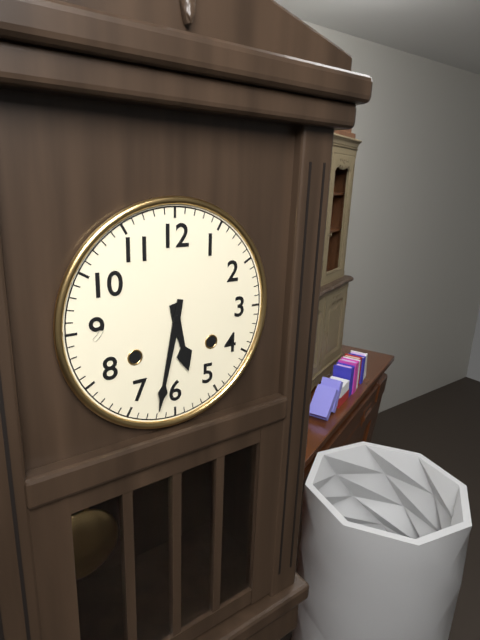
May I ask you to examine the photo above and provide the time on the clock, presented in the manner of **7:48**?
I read **5:32**
